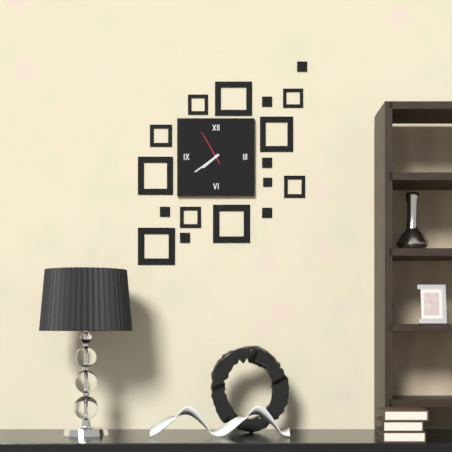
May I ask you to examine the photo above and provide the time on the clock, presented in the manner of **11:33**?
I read **7:39**
